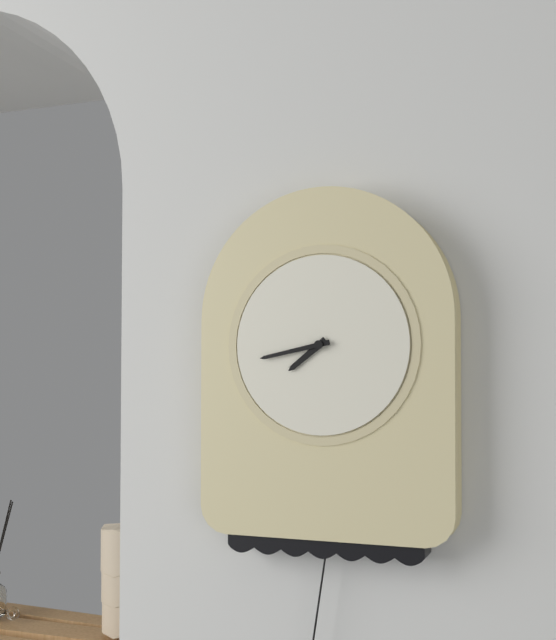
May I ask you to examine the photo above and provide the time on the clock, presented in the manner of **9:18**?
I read **7:43**
